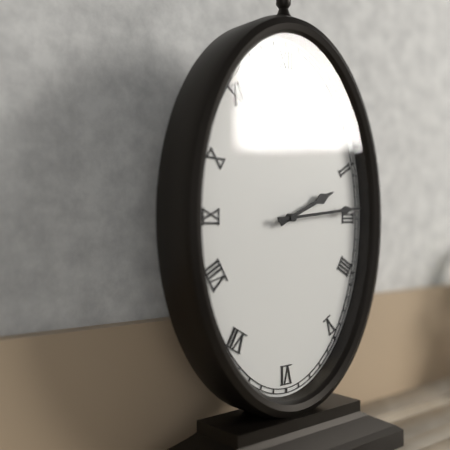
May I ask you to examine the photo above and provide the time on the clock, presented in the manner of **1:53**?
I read **2:14**
